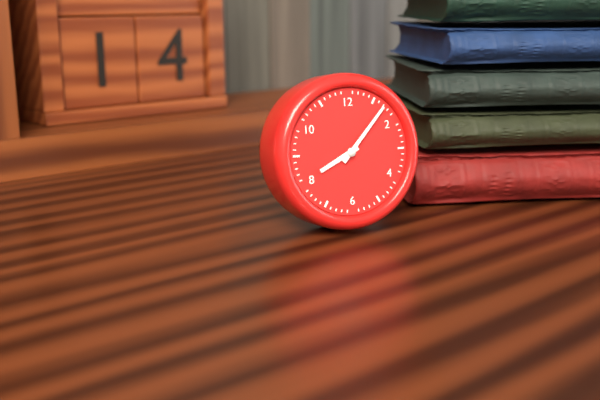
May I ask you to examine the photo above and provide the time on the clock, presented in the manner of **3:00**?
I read **8:07**
